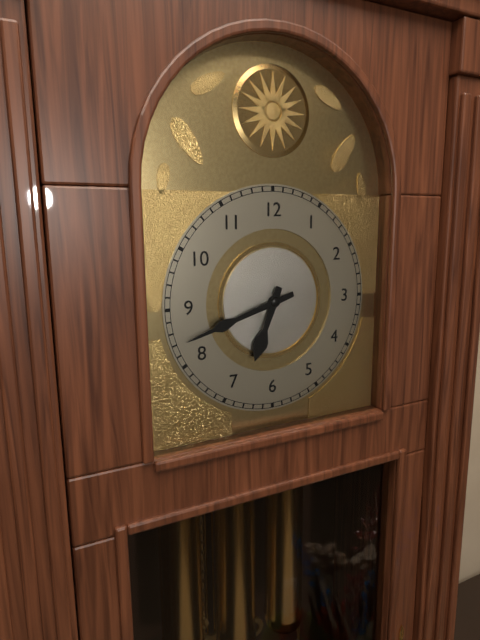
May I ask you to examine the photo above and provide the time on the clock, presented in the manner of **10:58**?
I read **6:42**
